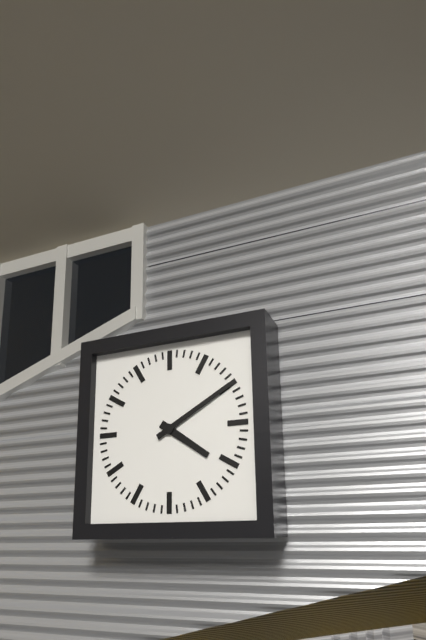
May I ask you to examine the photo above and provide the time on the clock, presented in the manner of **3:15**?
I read **4:10**
